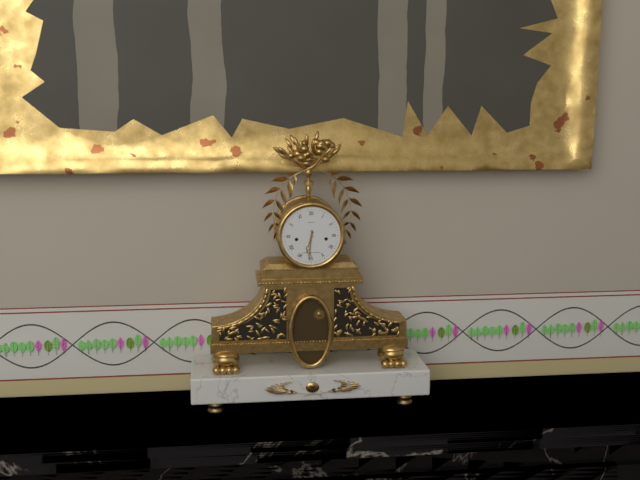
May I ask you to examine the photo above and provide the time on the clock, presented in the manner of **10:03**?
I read **6:31**
